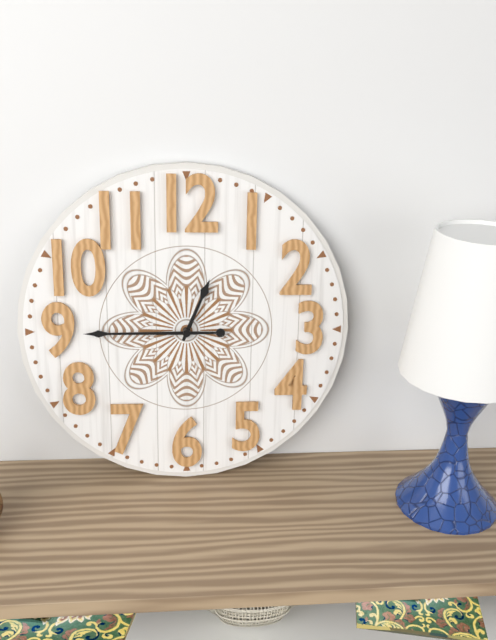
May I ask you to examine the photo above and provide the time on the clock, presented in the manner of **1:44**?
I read **12:45**
